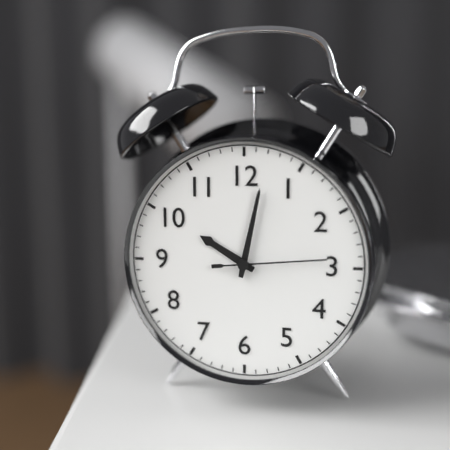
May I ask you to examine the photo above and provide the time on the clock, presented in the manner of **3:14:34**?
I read **10:02:14**
